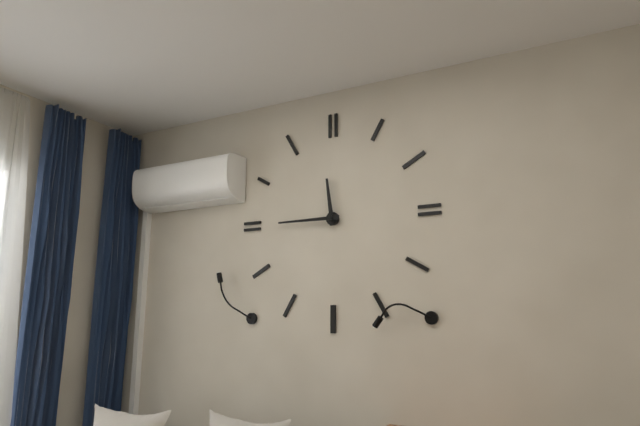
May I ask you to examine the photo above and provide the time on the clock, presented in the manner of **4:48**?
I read **11:45**
